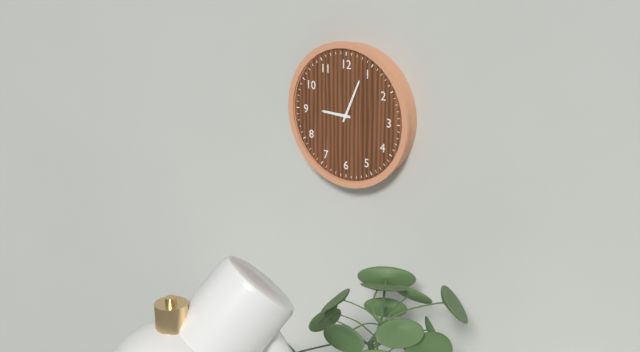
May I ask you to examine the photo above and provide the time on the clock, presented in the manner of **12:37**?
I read **9:04**
